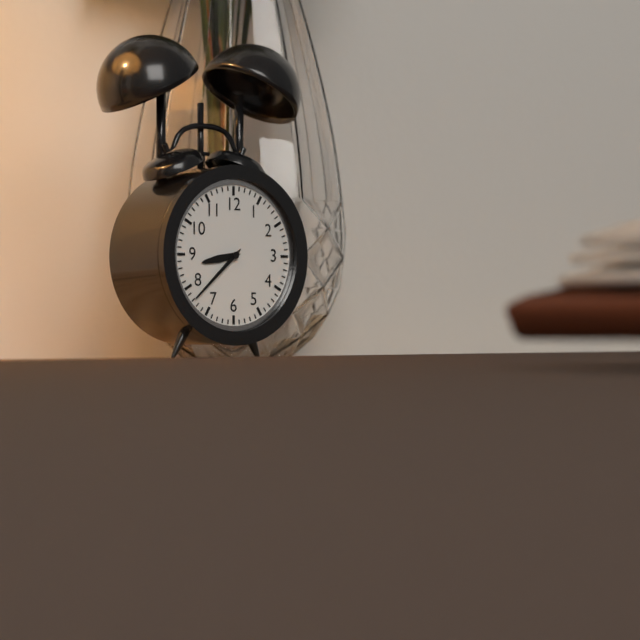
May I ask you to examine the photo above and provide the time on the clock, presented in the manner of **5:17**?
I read **8:38**
